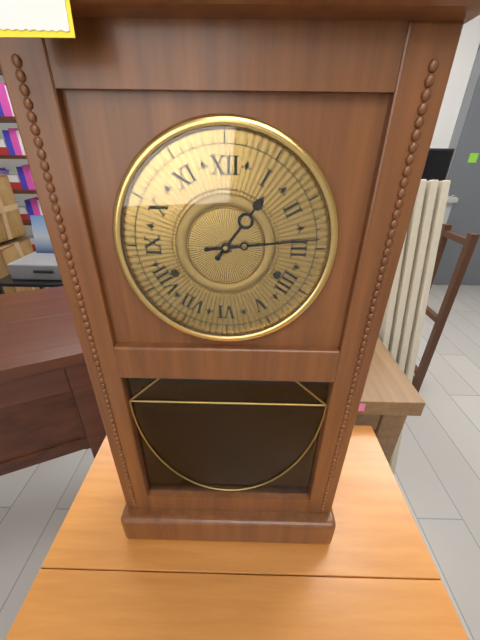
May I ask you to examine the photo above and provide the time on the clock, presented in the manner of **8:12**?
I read **1:14**
